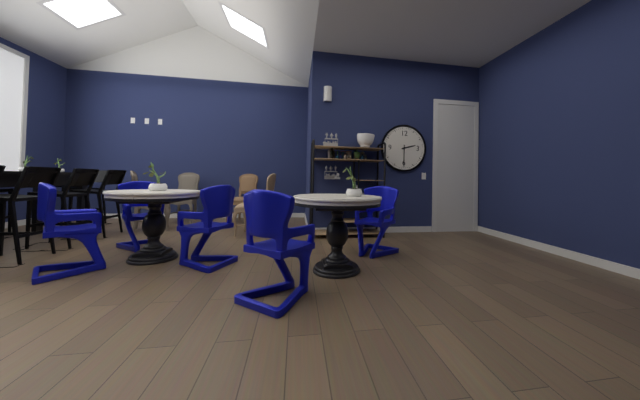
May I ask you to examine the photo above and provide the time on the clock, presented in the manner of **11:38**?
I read **2:30**
